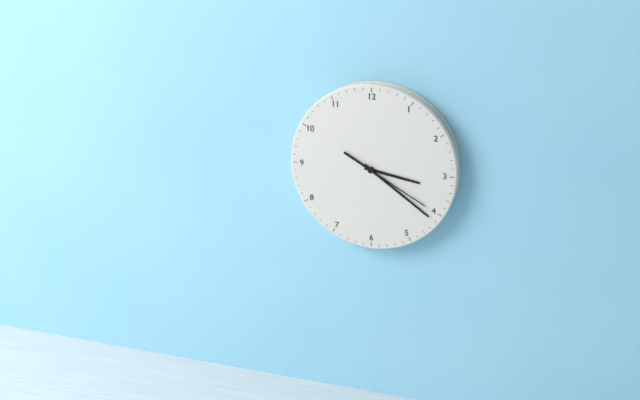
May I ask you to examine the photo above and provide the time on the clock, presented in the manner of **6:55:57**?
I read **3:21:20**
